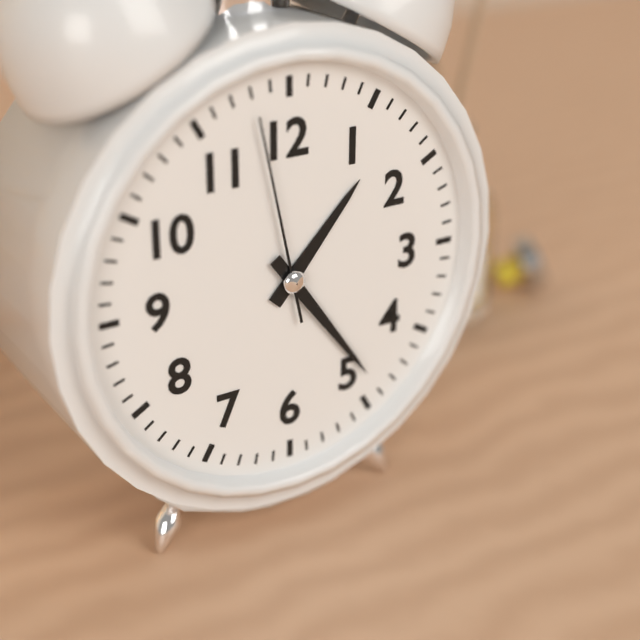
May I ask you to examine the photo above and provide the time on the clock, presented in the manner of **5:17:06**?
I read **1:24:58**
